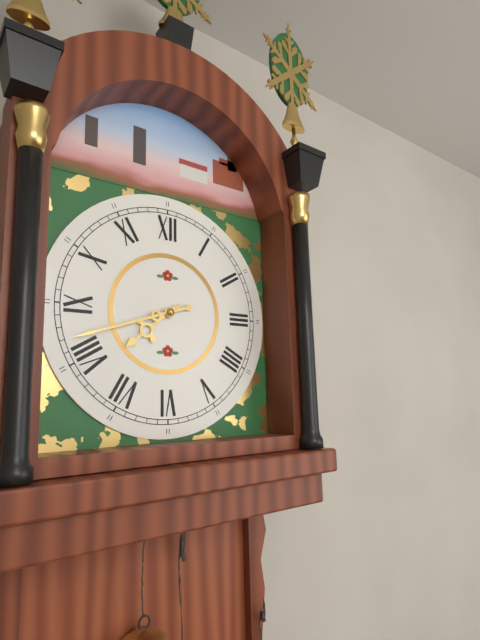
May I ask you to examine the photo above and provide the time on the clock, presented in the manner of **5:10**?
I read **7:42**
